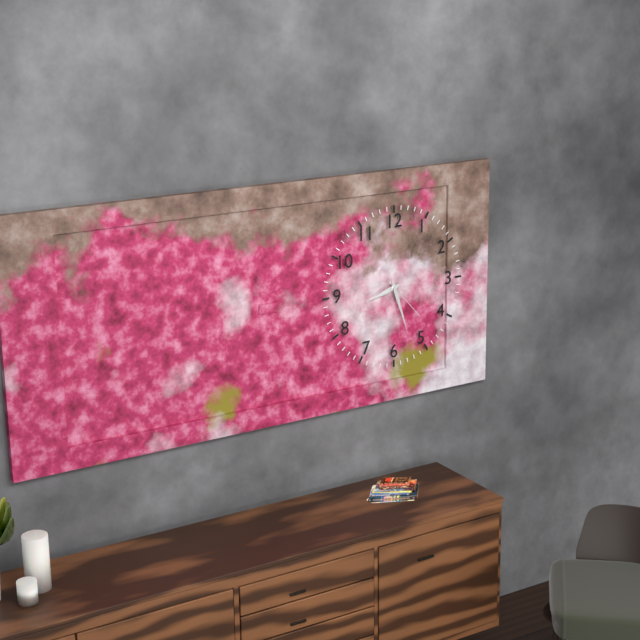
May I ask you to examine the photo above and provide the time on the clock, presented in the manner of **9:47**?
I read **8:27**
